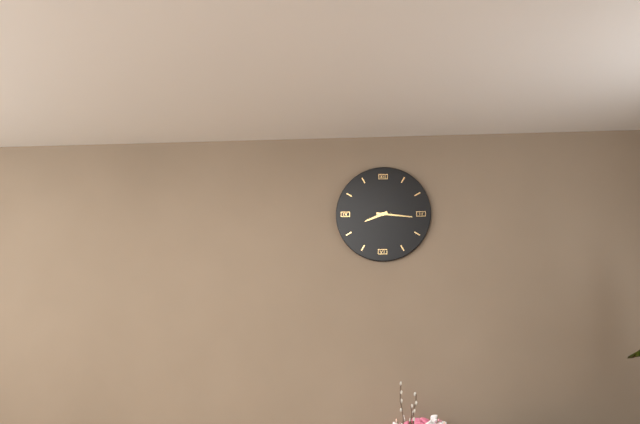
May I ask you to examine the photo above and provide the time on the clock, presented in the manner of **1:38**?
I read **8:16**
